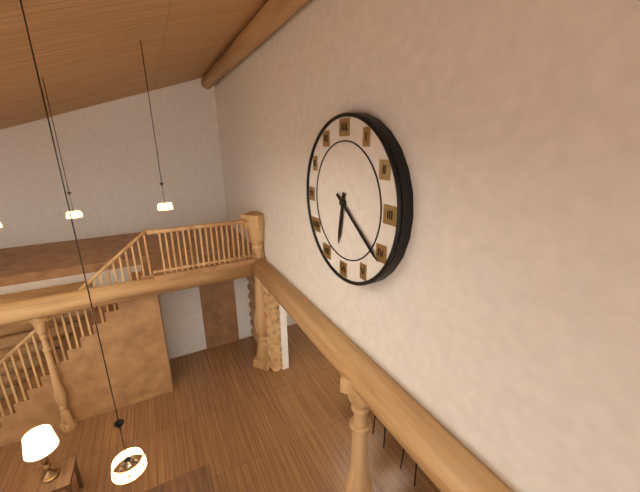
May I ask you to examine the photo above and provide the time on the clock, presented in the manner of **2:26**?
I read **6:21**
